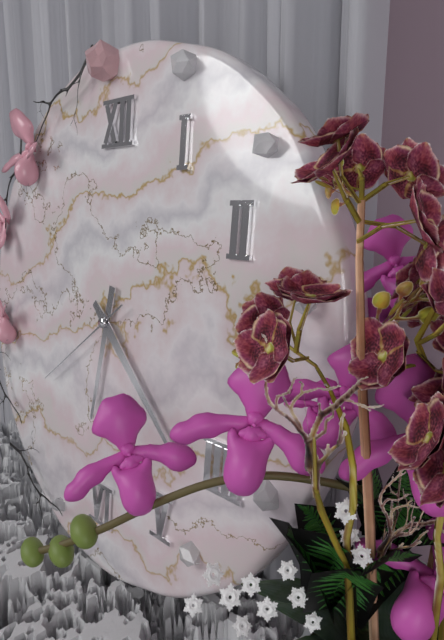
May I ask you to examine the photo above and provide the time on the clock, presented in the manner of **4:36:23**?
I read **6:22:39**
